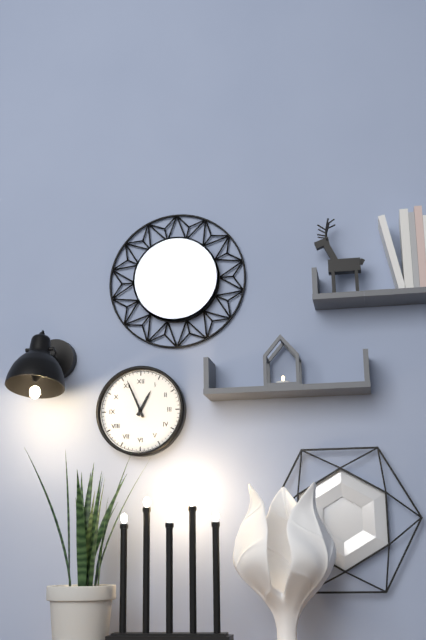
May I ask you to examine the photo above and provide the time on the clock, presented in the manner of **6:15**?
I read **12:56**
